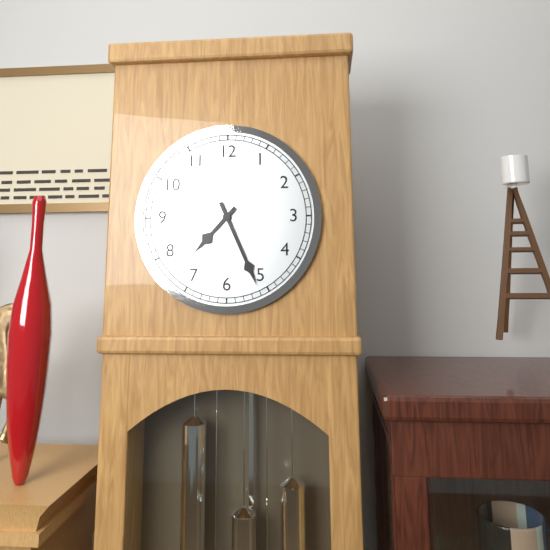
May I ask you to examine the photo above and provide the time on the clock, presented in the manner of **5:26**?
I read **7:26**
